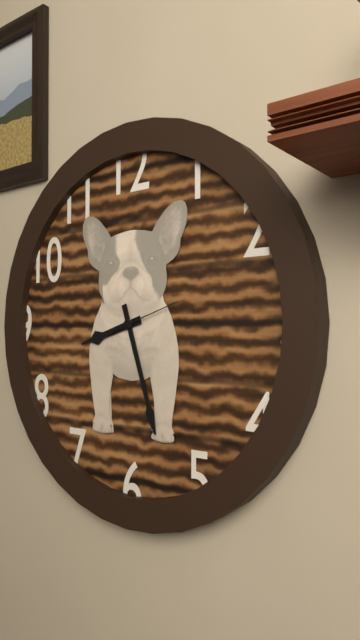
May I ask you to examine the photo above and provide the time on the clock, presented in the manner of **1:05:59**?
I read **8:27:12**
